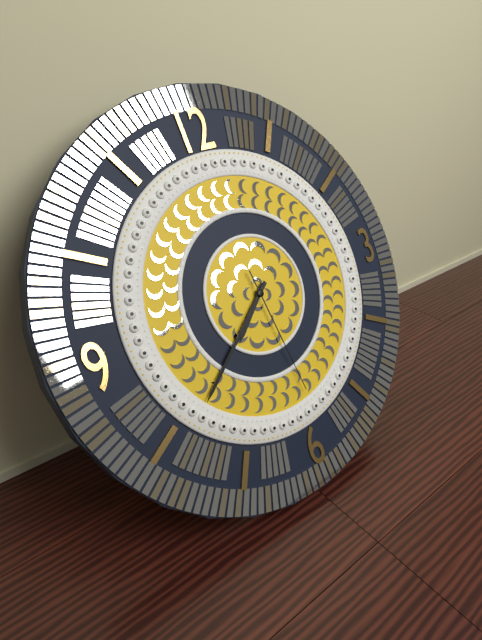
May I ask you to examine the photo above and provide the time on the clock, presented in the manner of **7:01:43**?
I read **7:39:29**
